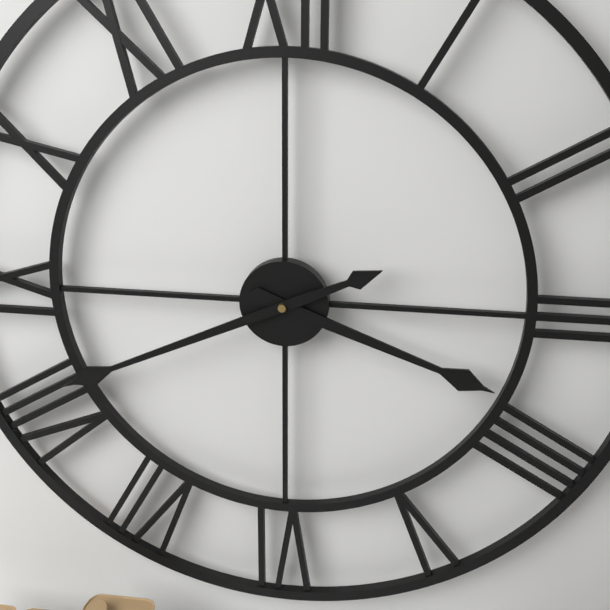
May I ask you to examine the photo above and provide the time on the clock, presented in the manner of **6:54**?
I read **3:41**
